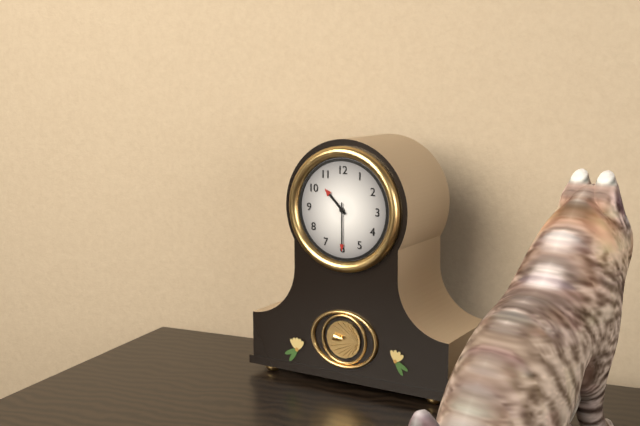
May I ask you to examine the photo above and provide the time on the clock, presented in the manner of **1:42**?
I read **10:30**
